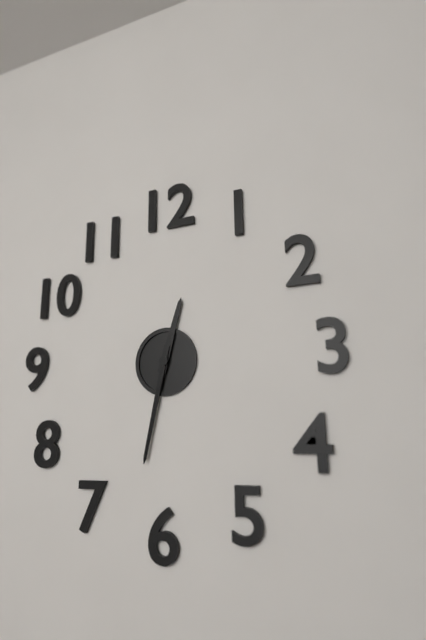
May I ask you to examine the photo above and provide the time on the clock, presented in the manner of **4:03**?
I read **12:32**
